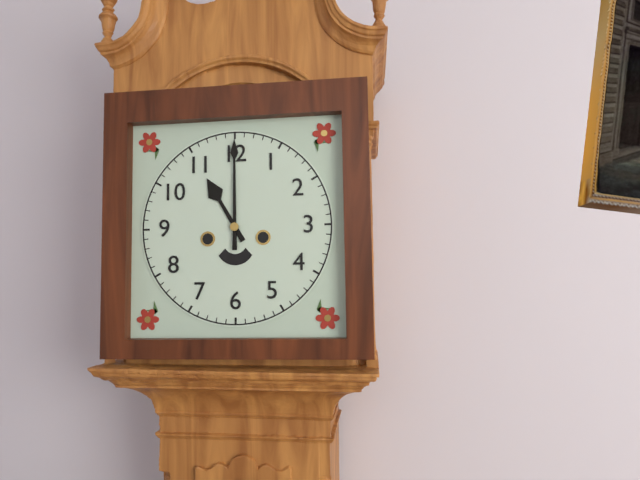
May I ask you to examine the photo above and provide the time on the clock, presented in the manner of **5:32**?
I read **11:00**
